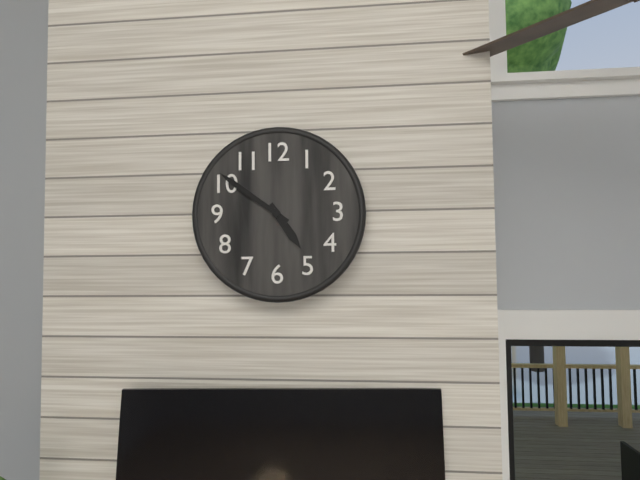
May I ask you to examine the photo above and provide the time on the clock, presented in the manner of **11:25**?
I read **4:51**
